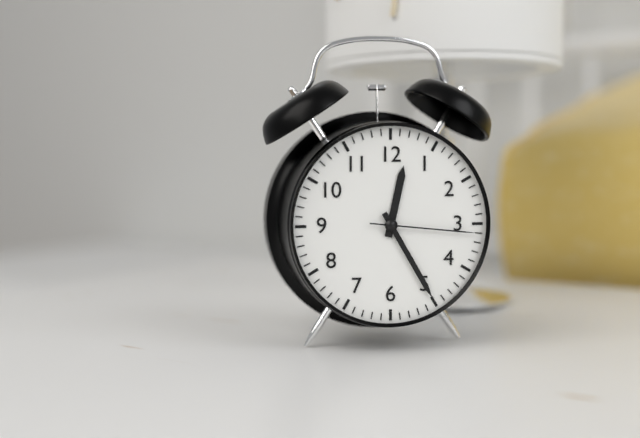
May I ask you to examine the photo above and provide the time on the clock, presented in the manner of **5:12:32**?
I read **12:25:16**
